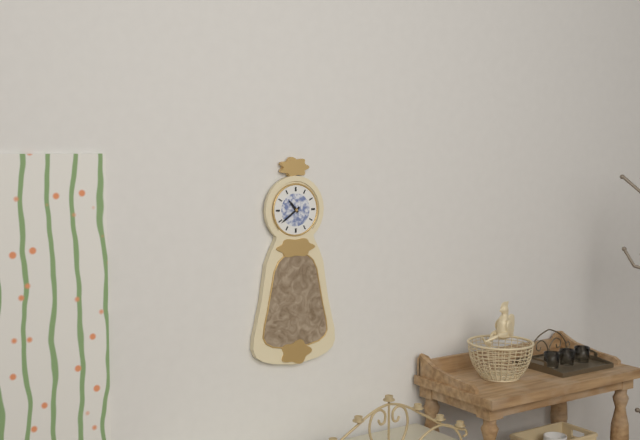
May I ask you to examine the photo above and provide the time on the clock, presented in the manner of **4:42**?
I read **10:39**
